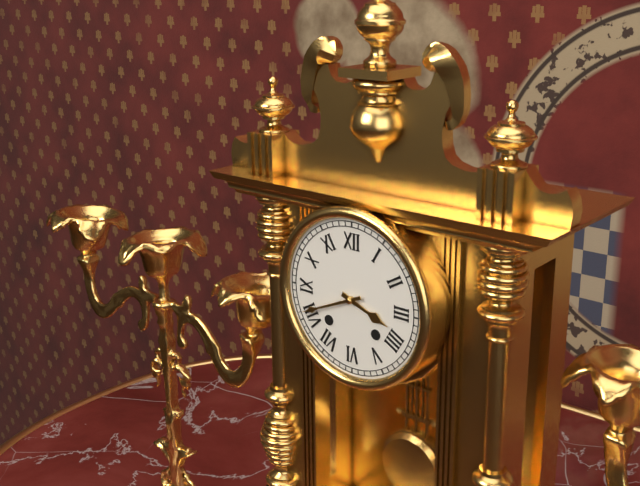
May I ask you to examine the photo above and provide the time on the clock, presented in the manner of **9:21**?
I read **3:41**
